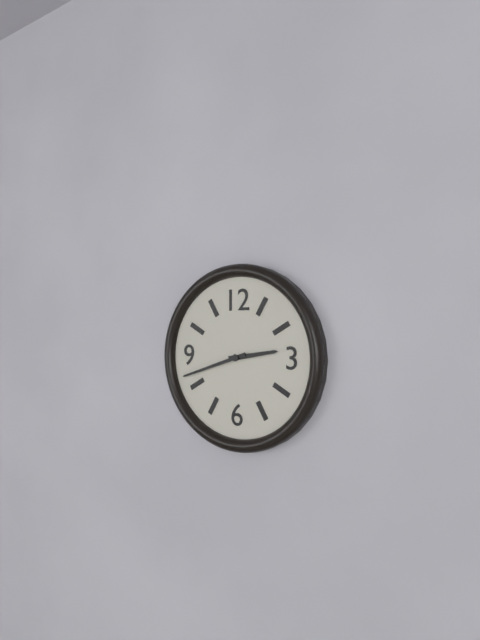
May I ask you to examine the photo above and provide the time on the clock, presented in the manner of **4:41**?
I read **2:42**
